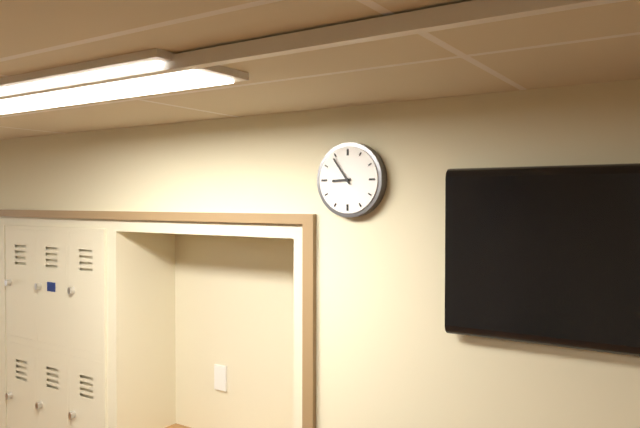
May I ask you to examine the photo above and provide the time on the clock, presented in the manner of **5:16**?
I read **8:54**
